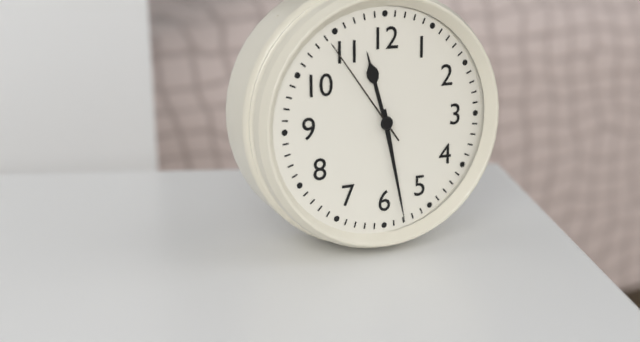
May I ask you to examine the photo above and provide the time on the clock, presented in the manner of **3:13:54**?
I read **11:28:54**
